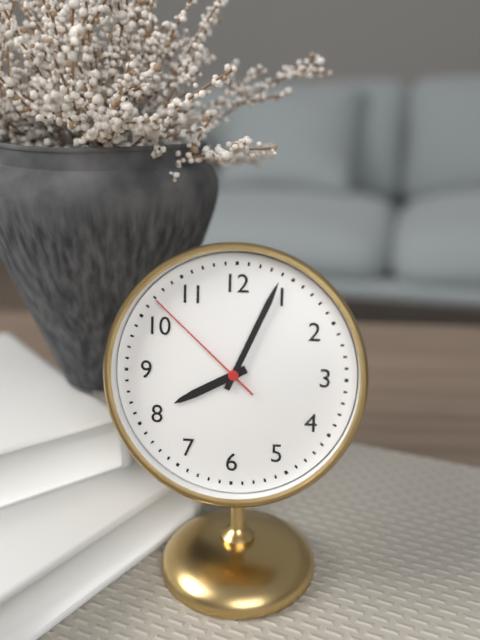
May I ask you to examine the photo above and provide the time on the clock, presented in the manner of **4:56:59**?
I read **8:04:52**
